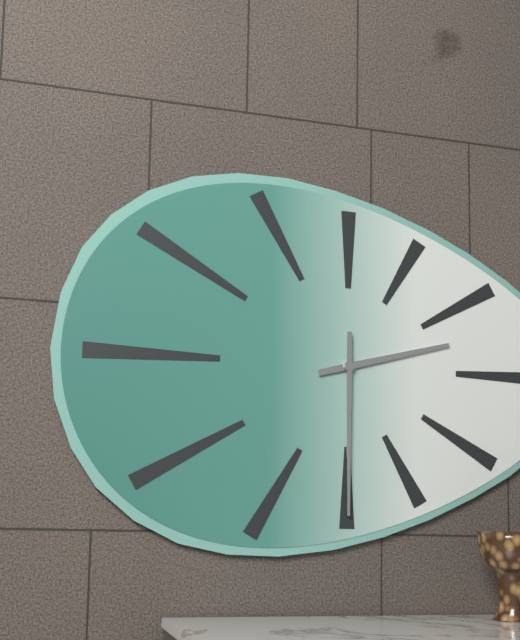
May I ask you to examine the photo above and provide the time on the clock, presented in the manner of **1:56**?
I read **2:30**
